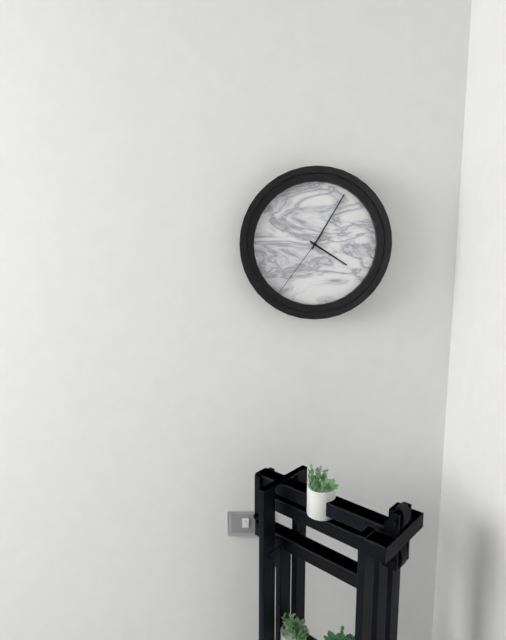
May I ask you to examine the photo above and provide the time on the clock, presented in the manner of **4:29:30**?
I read **4:05:36**
